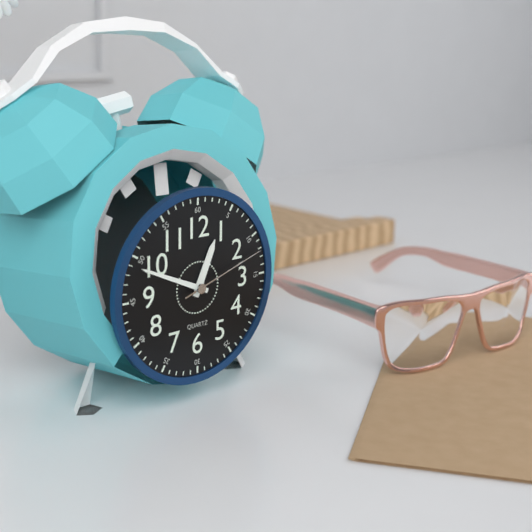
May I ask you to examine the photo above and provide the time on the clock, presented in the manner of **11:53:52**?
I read **12:49:12**
